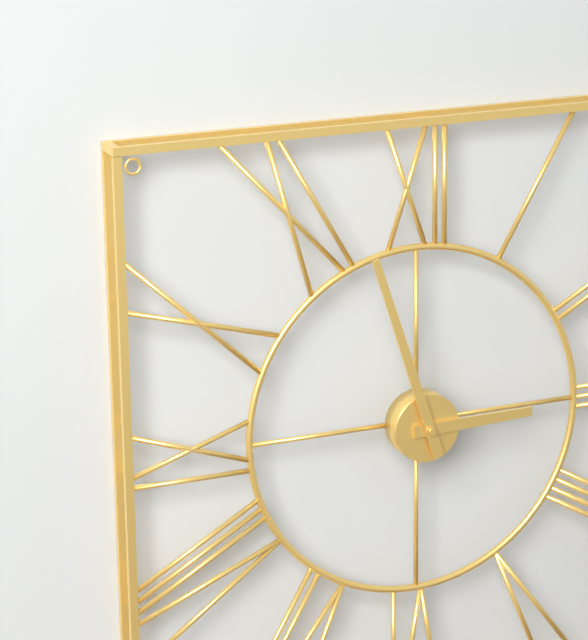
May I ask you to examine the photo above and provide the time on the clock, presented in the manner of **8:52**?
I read **2:57**
